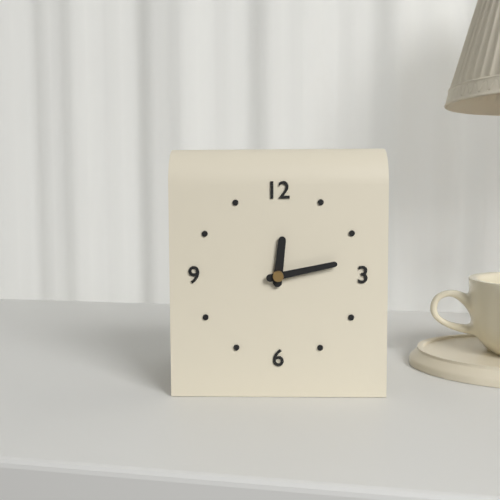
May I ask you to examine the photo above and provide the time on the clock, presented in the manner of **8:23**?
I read **12:13**
